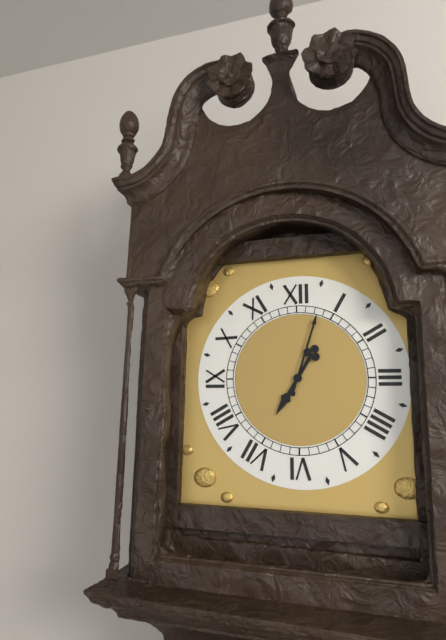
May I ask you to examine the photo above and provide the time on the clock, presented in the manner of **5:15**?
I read **7:03**
